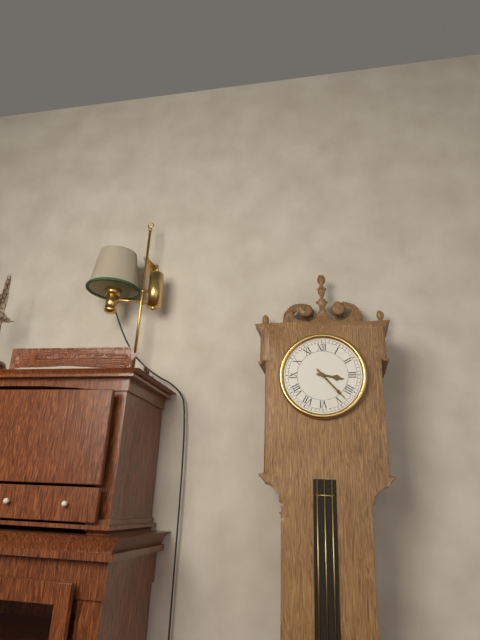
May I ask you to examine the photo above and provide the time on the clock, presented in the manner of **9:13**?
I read **3:23**
